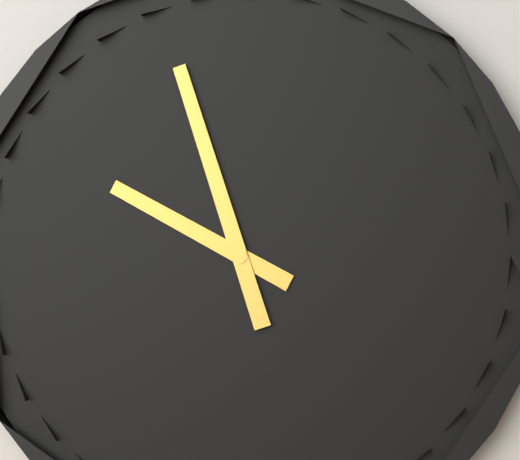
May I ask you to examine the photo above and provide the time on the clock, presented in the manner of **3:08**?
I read **9:57**
